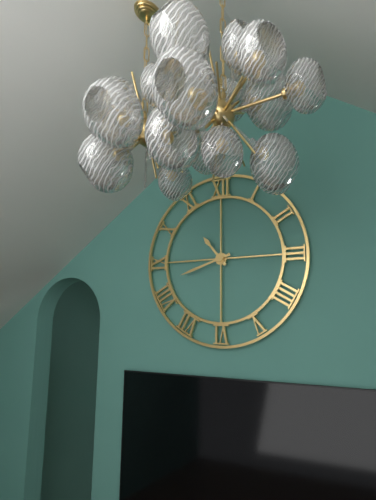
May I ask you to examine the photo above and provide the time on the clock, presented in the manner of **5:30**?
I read **10:42**
